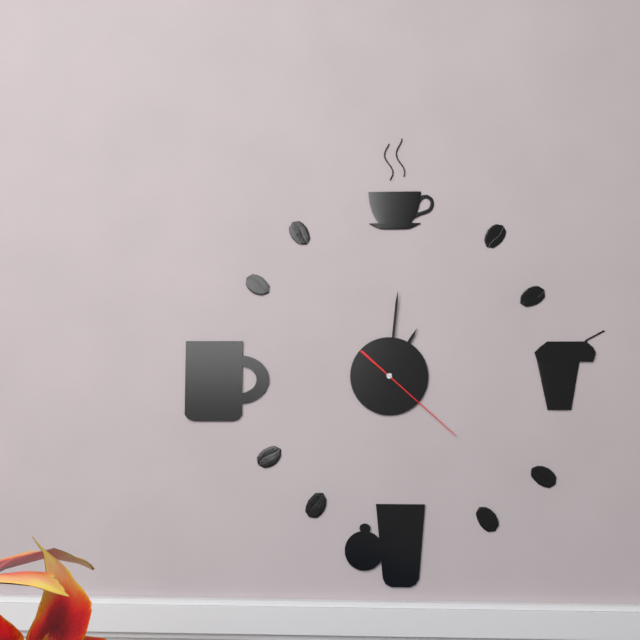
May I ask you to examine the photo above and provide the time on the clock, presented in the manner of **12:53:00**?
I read **1:01:22**
